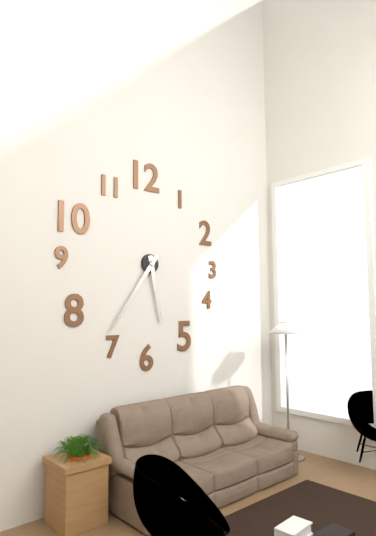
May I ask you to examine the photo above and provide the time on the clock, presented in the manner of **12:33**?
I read **5:36**
